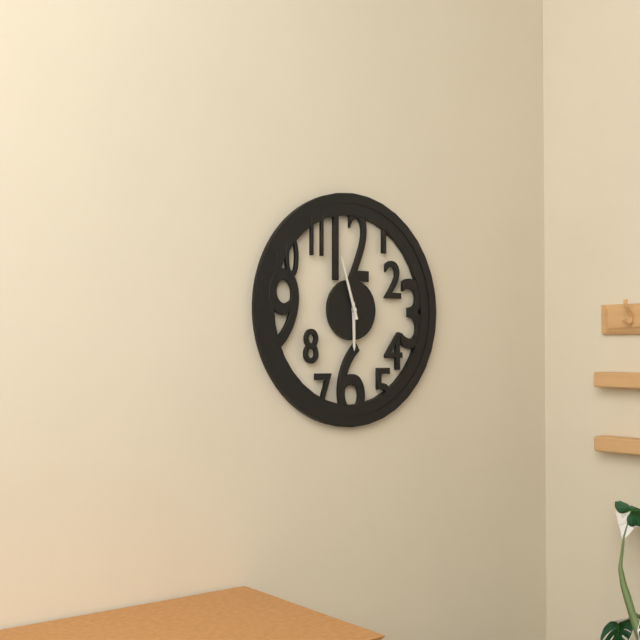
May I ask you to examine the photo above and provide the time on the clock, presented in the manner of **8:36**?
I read **5:57**
